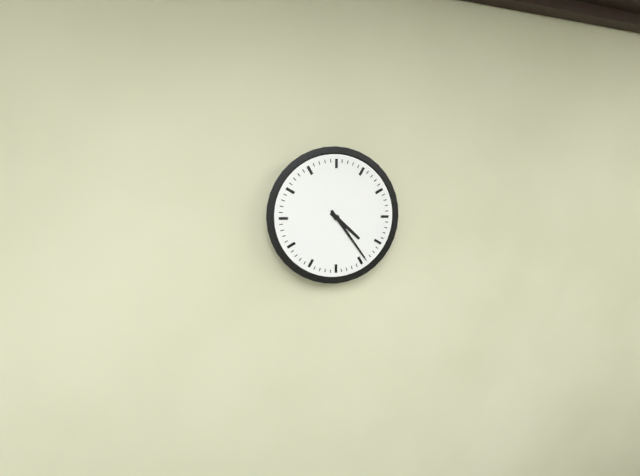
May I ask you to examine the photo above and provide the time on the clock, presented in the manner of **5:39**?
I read **4:24**
